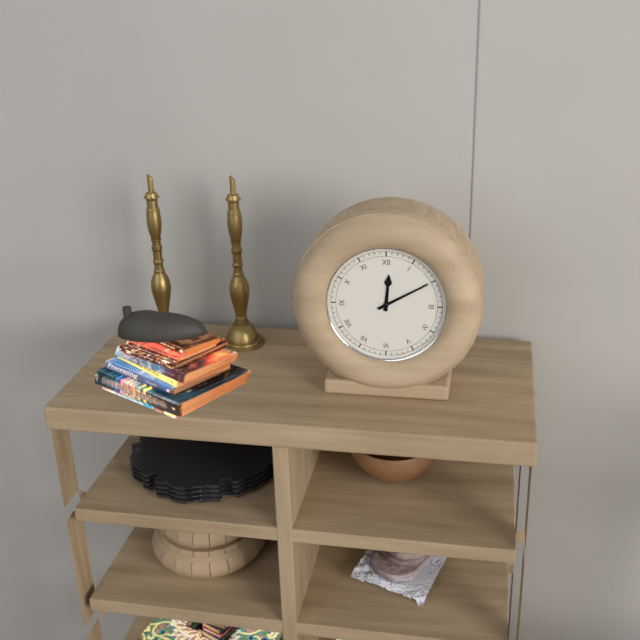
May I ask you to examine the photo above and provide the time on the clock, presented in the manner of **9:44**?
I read **12:10**
